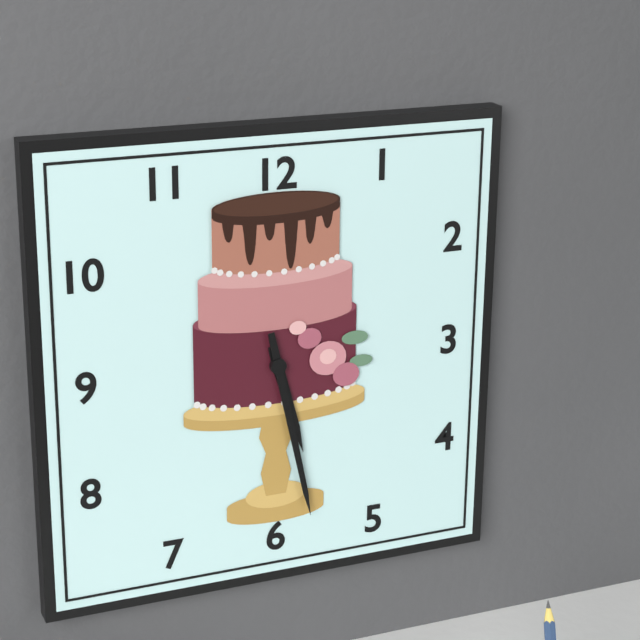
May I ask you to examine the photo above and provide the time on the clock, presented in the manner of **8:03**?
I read **5:28**
